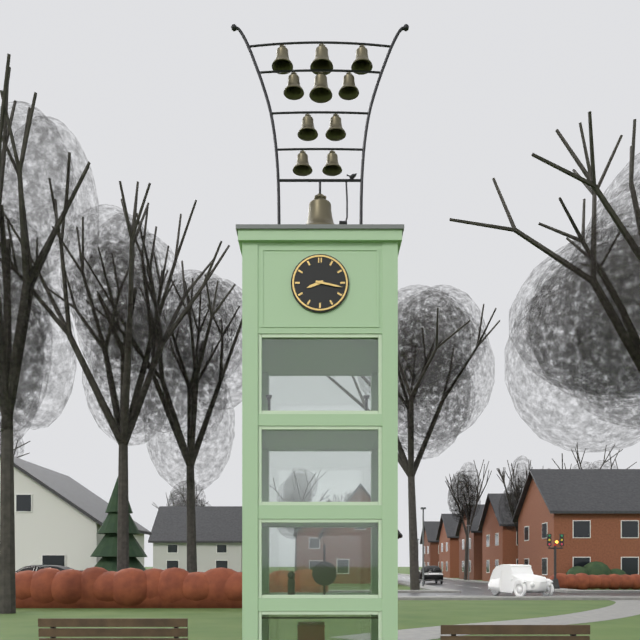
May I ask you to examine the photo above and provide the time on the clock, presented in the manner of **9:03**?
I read **8:17**
